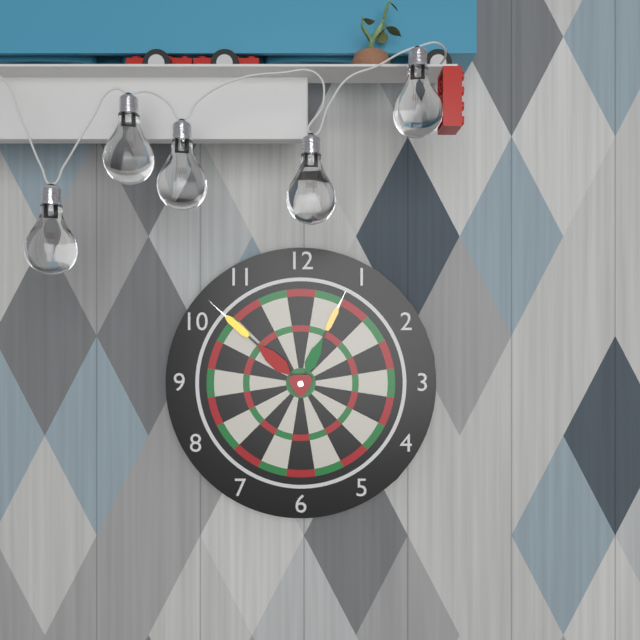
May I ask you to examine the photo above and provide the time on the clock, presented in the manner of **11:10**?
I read **12:52**
